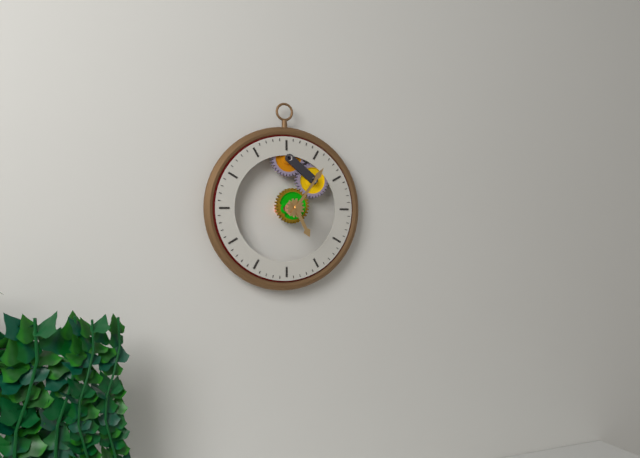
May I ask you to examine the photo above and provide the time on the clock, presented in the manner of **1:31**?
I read **5:06**
